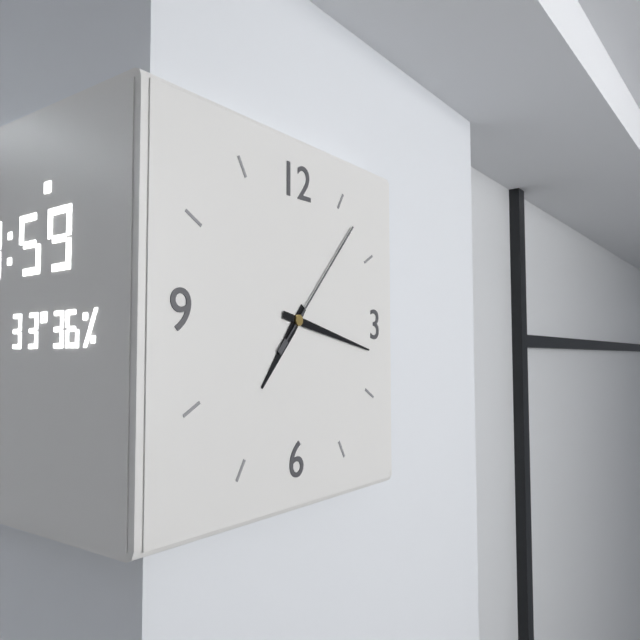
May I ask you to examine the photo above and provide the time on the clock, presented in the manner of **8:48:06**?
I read **7:17:07**
